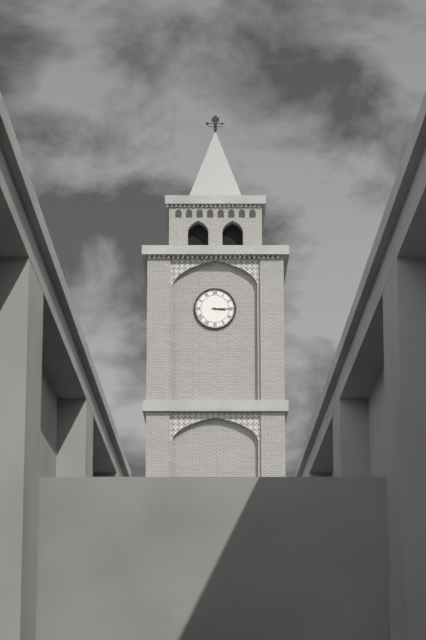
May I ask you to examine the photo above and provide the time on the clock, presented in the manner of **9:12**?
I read **3:15**
